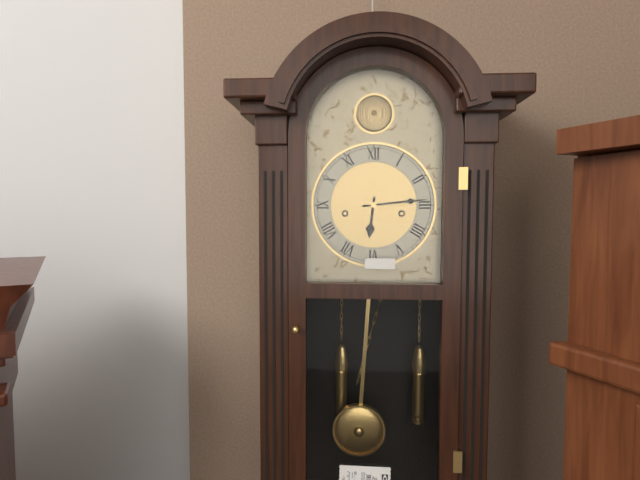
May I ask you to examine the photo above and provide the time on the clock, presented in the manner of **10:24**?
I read **6:14**
